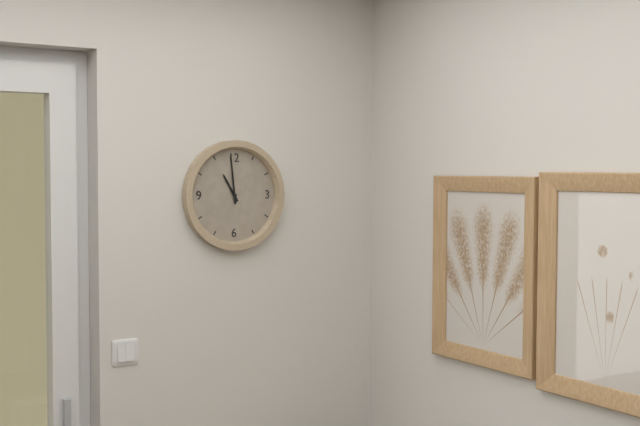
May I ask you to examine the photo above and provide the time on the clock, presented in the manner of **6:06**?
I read **10:59**
